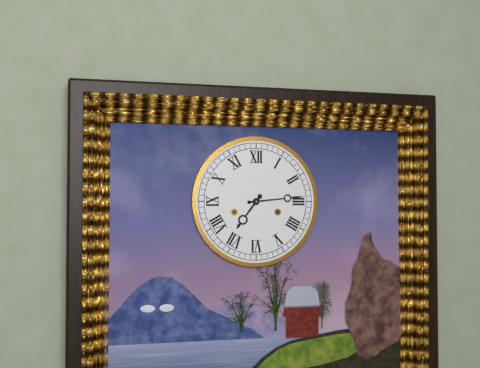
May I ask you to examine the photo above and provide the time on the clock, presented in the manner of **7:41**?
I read **7:14**
